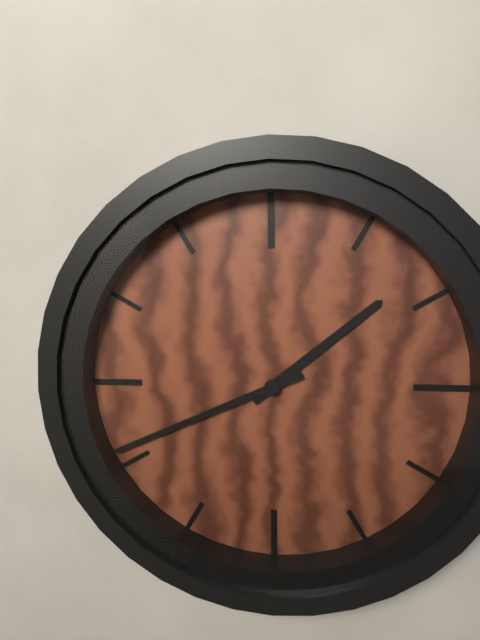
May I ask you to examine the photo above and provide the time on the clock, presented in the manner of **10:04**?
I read **1:41**
